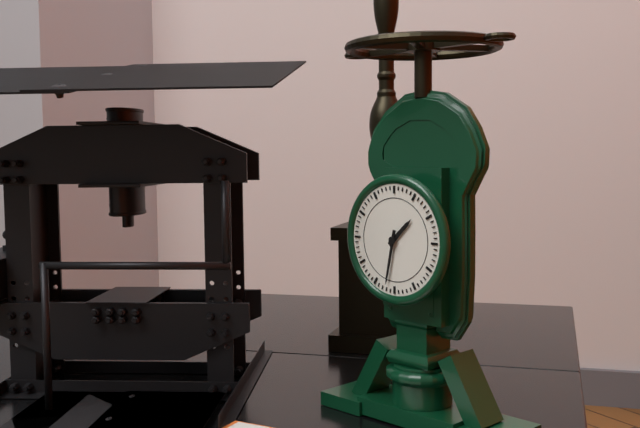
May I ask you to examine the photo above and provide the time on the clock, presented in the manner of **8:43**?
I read **1:32**
